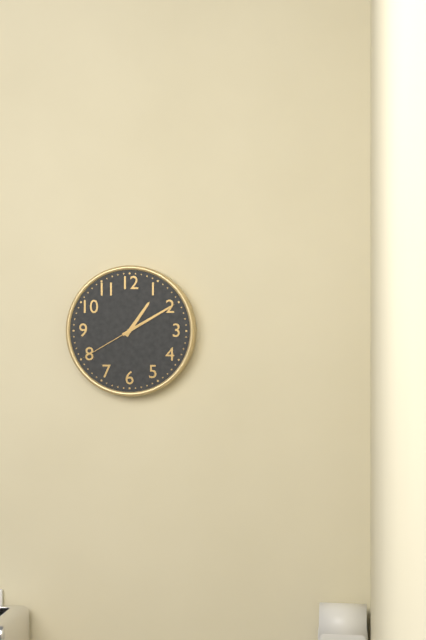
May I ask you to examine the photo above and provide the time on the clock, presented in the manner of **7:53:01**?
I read **1:10:40**
